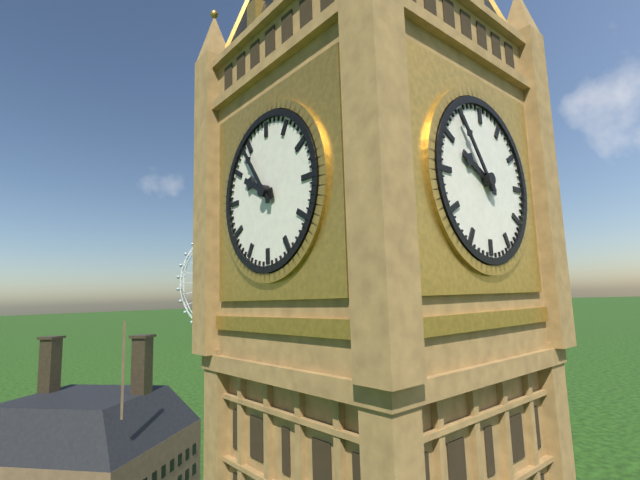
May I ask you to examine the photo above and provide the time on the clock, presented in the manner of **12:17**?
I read **9:54**
